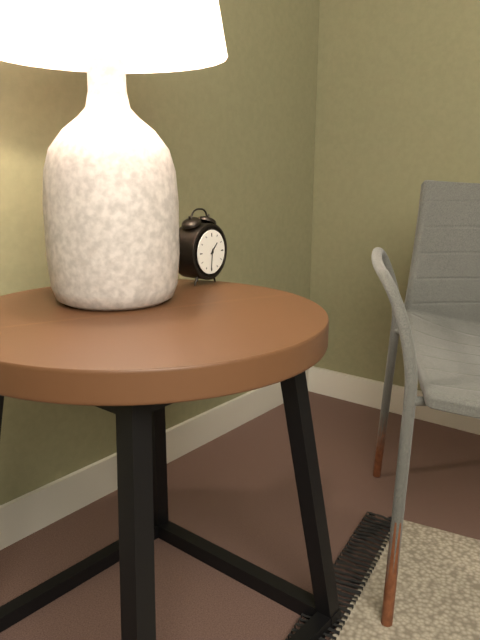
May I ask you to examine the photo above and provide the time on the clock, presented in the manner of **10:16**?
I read **1:31**
